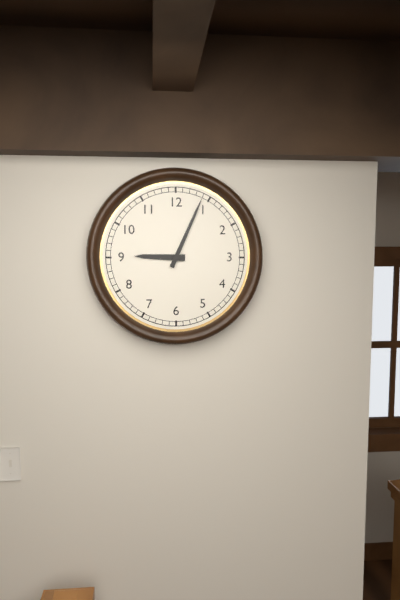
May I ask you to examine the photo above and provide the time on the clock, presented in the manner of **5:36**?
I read **9:04**
